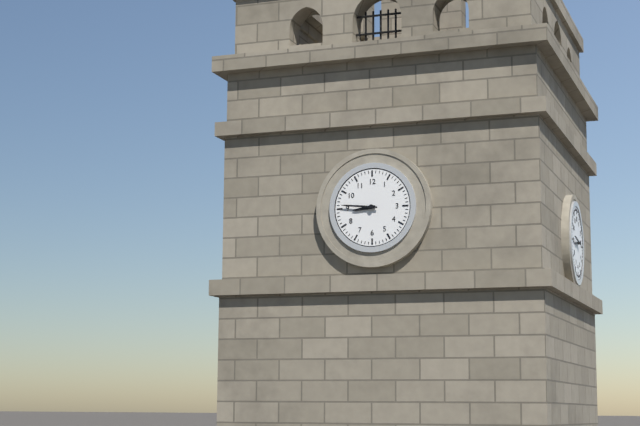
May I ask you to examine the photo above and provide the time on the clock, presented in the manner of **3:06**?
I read **8:46**
